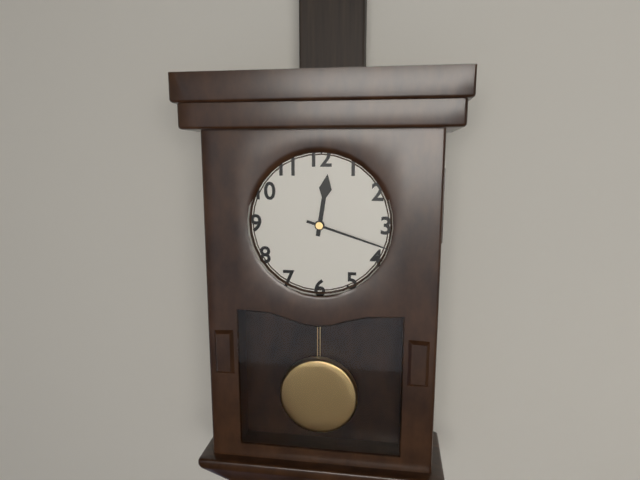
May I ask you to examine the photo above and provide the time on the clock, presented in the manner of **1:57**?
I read **12:18**
